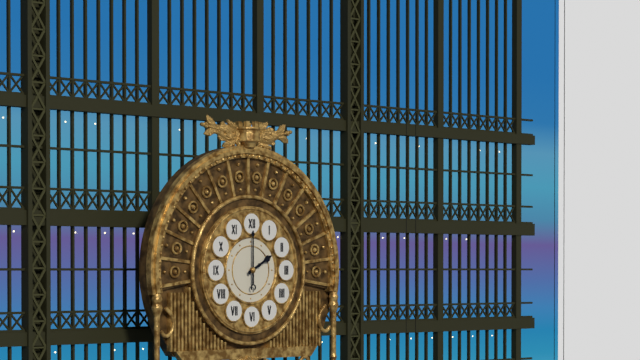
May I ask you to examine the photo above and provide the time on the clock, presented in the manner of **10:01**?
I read **2:00**
